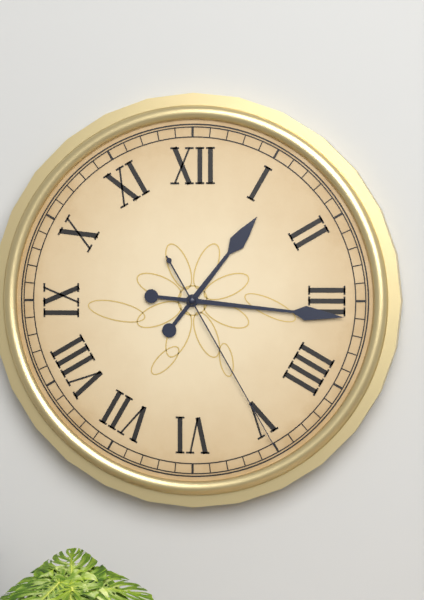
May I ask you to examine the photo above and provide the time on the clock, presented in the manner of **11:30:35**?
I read **1:16:25**
